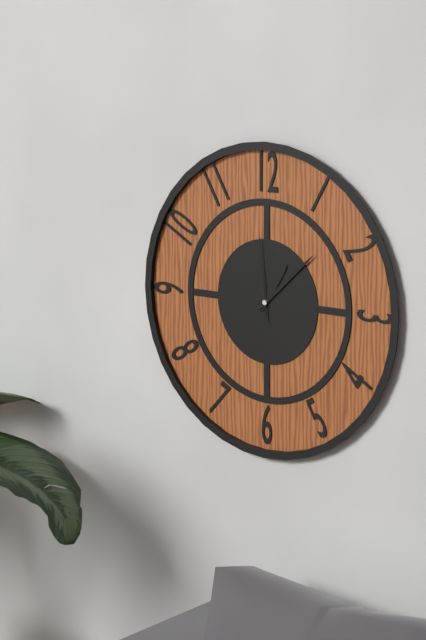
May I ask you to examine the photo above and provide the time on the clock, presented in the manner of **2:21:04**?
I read **1:08:59**
